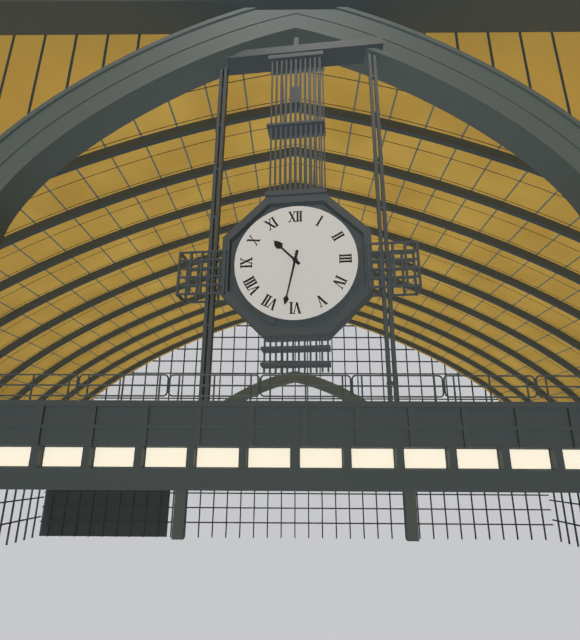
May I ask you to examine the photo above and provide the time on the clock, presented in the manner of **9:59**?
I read **10:32**
